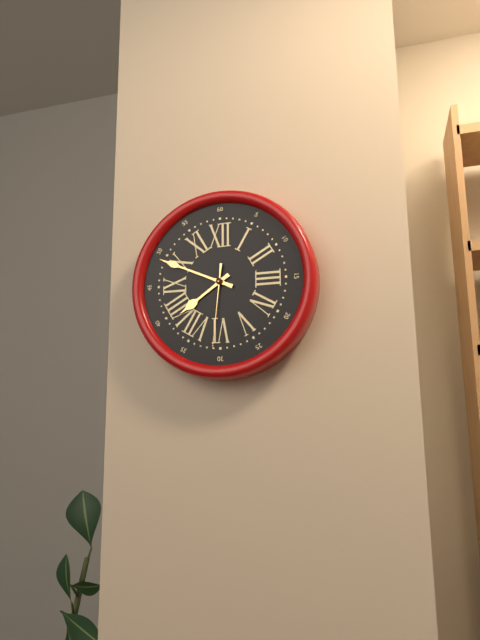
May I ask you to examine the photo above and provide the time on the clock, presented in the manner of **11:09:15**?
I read **7:49:31**
